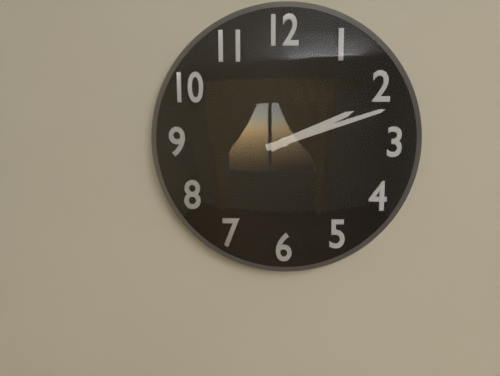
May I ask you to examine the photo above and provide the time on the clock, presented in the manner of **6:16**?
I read **2:12**
